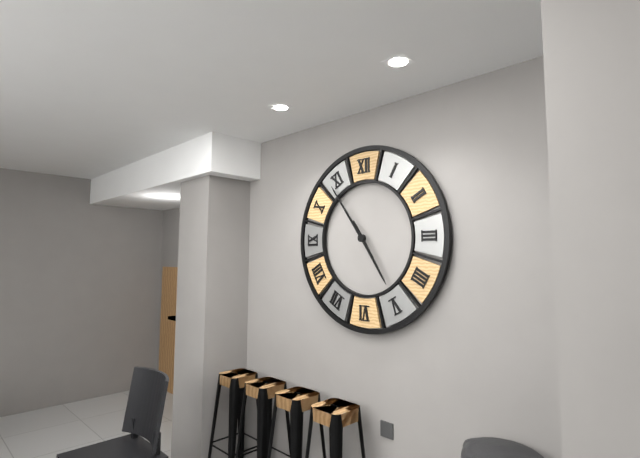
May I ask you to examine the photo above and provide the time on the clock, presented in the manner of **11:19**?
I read **4:54**
